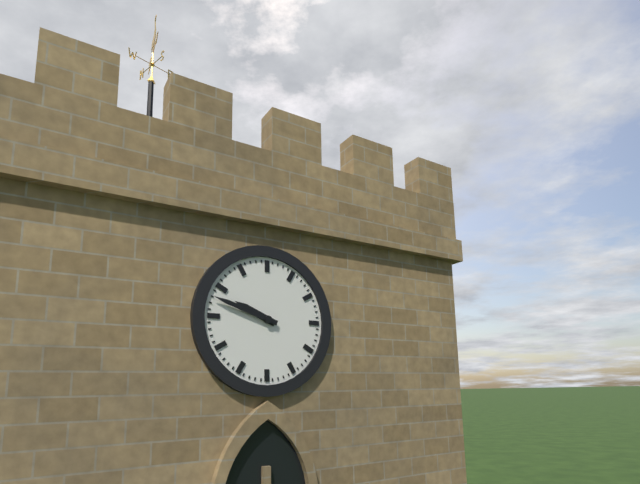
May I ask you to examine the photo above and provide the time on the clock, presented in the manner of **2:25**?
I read **9:48**
